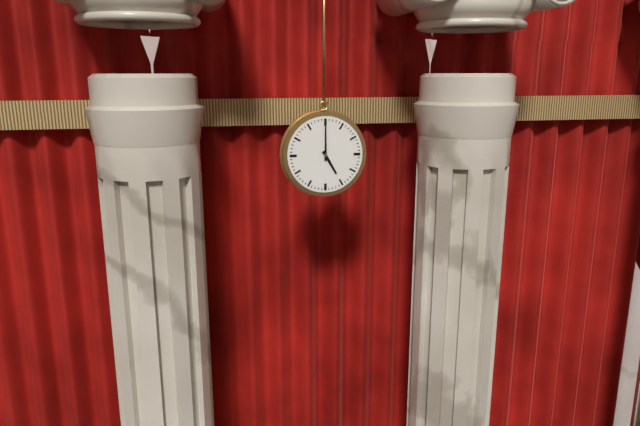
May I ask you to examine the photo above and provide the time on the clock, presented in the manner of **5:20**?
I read **5:00**
